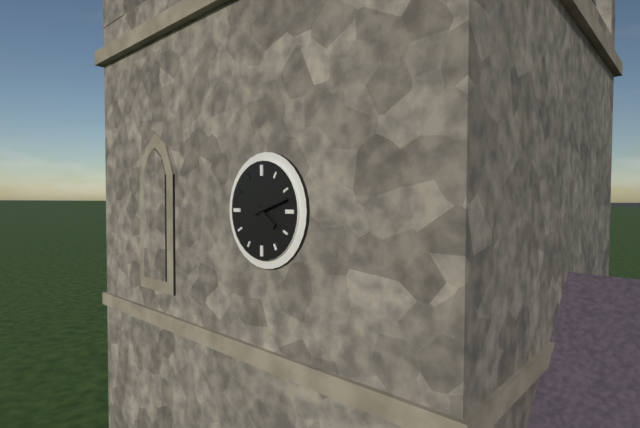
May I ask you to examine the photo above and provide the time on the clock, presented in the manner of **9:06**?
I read **4:12**
